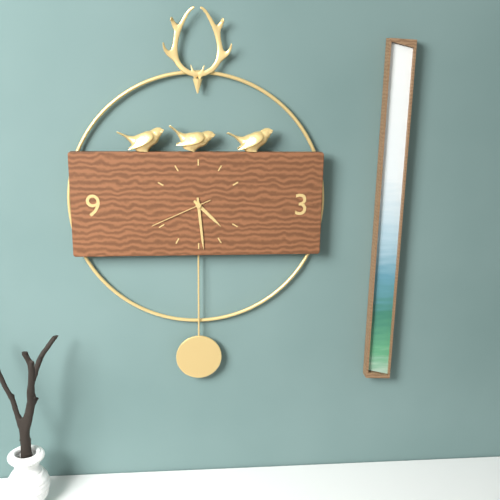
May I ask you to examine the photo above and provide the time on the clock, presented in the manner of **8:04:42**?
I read **4:29:41**
